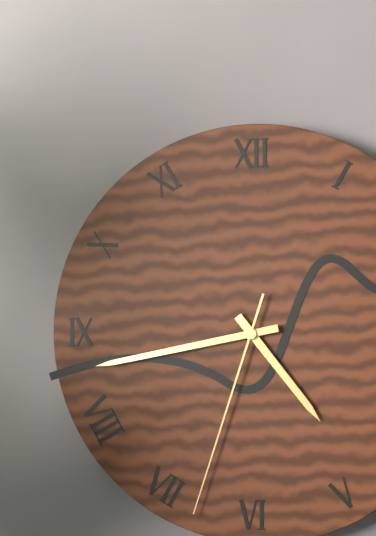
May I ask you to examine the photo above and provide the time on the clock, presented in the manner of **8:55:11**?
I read **4:43:33**
